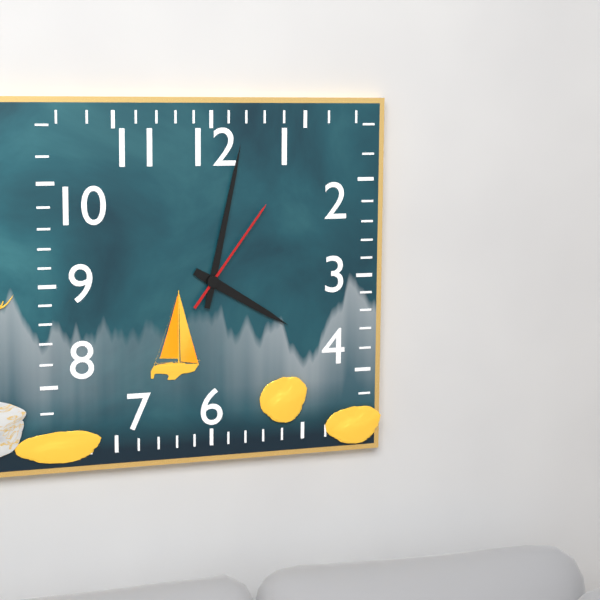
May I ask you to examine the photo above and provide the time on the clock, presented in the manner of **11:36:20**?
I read **4:02:06**
